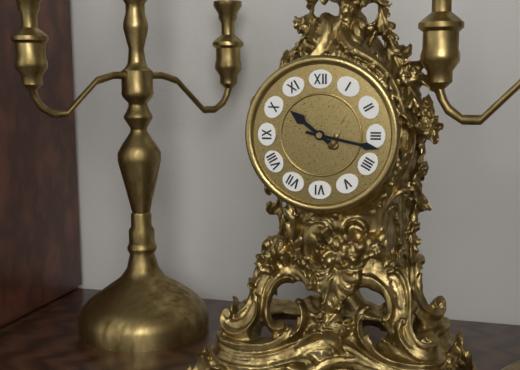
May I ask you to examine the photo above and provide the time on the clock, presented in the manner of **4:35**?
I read **10:17**
